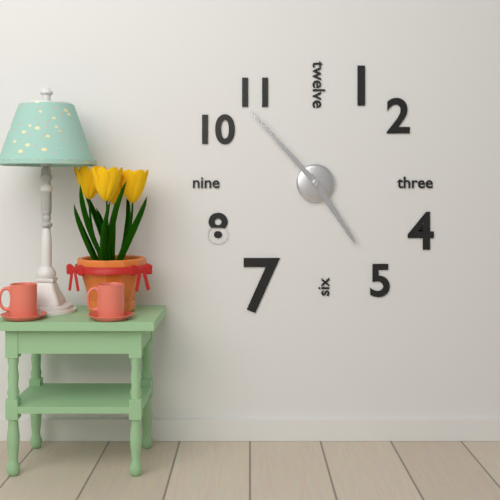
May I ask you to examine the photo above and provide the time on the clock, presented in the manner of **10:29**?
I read **4:53**
